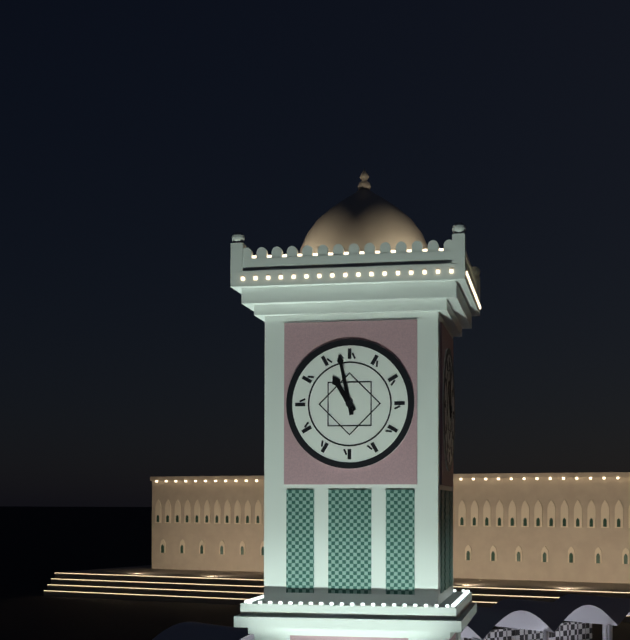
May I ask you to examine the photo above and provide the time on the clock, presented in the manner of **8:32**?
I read **10:58**
